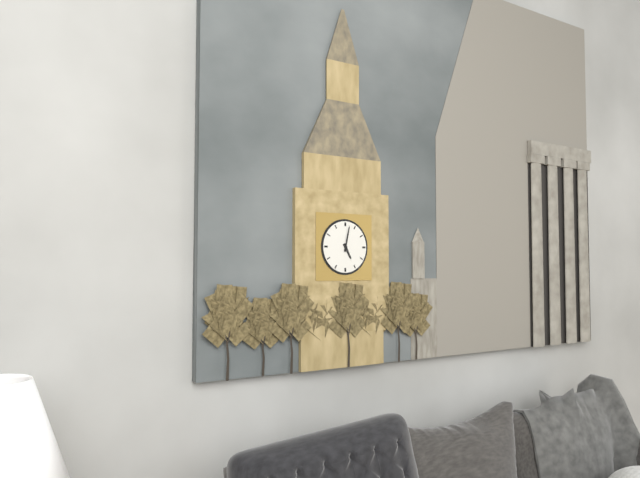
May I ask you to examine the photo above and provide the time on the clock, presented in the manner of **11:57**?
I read **5:02**
